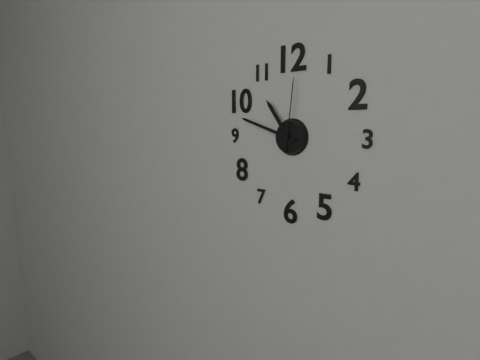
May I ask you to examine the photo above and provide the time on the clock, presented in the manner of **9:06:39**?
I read **10:48:01**
